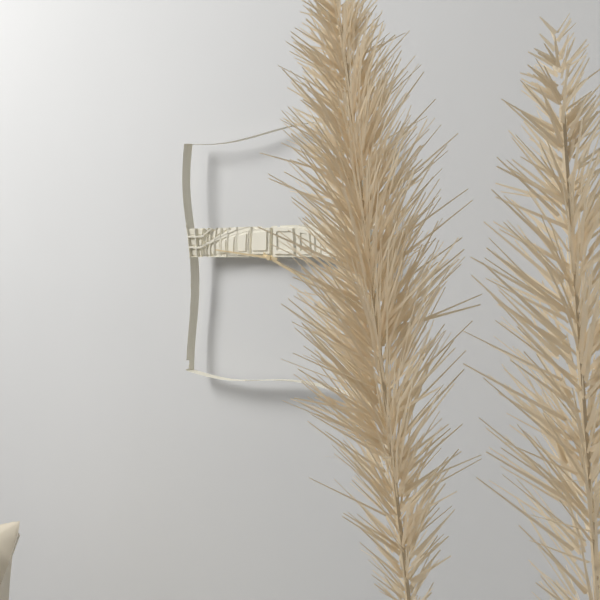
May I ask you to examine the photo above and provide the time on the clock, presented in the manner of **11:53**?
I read **3:46**
